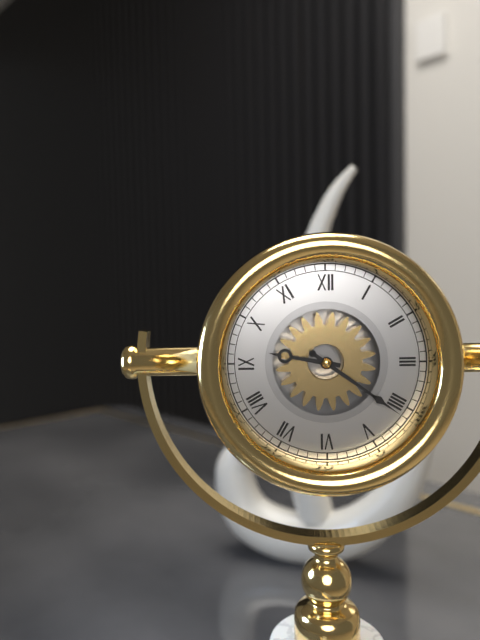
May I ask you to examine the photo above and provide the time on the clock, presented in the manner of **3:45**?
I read **9:21**
